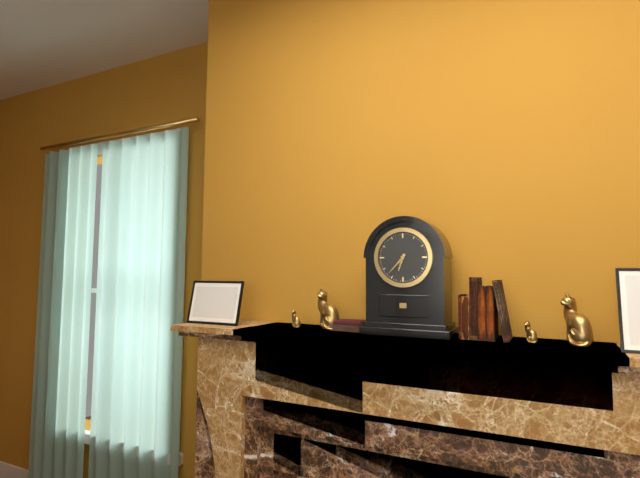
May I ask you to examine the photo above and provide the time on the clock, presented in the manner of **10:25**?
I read **6:37**
